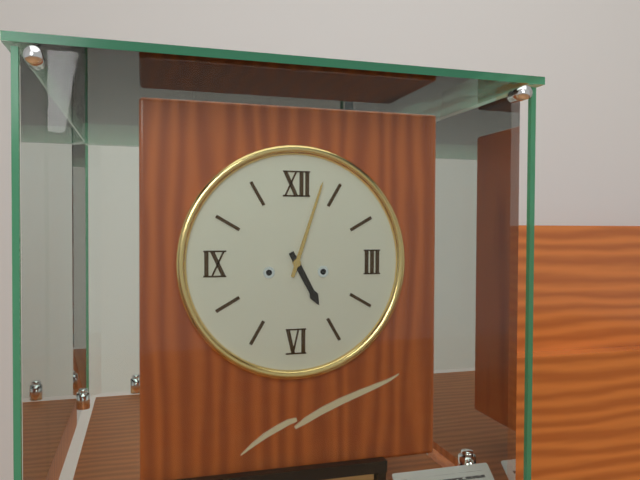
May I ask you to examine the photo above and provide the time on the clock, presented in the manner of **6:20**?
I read **5:03**
